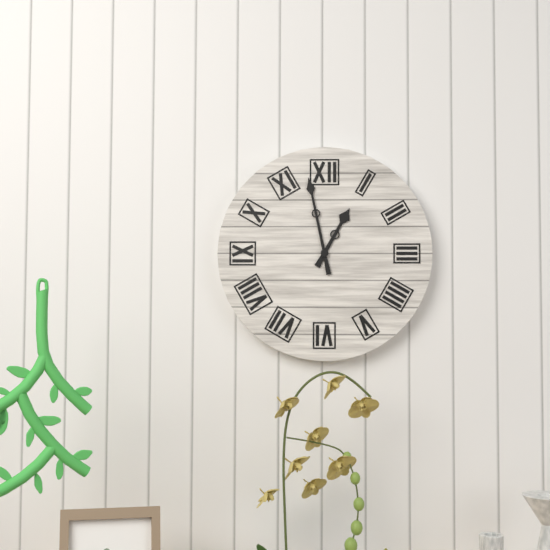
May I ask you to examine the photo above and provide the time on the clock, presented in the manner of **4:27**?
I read **12:58**
